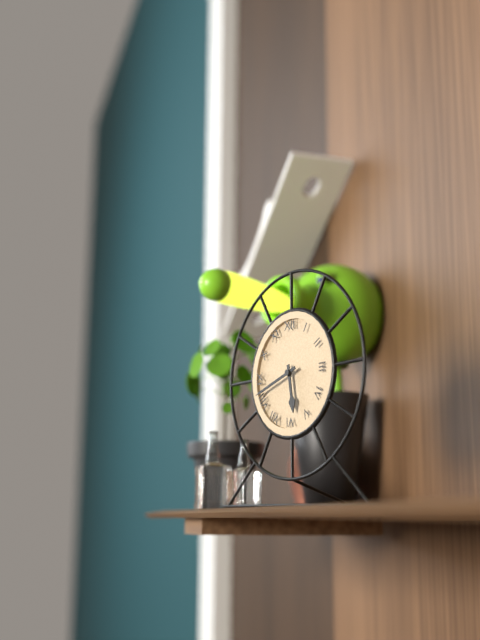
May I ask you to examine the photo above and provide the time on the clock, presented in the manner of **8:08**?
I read **5:42**
